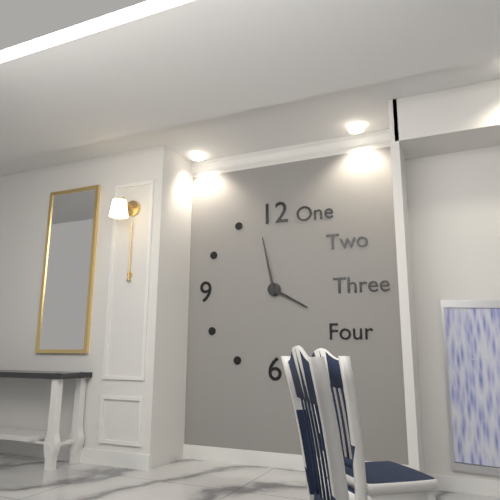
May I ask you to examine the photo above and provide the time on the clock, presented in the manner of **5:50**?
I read **3:58**
